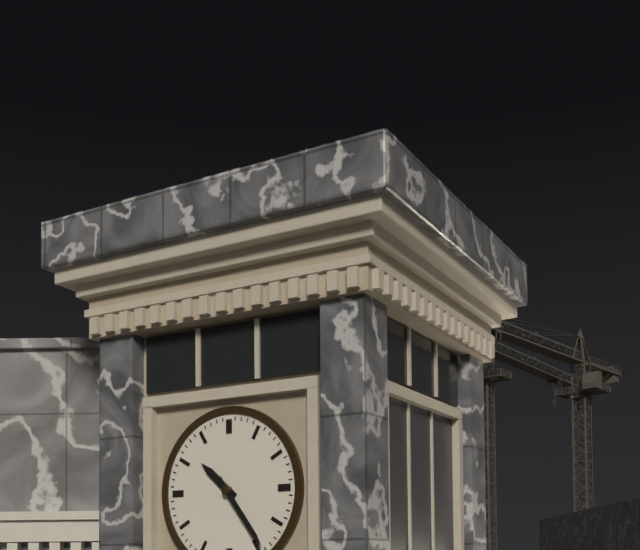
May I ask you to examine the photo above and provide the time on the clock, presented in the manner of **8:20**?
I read **10:24**
